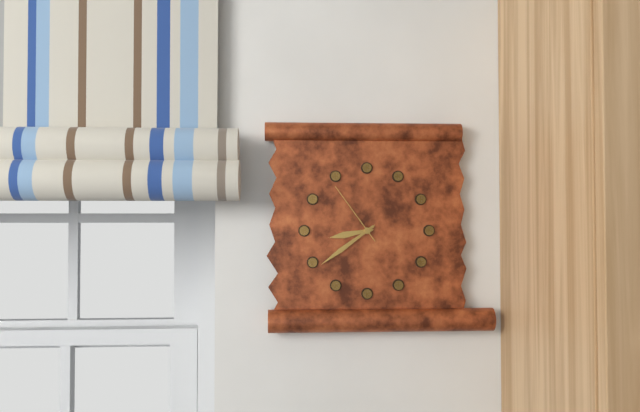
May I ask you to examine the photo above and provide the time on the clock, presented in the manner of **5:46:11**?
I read **8:39:54**
